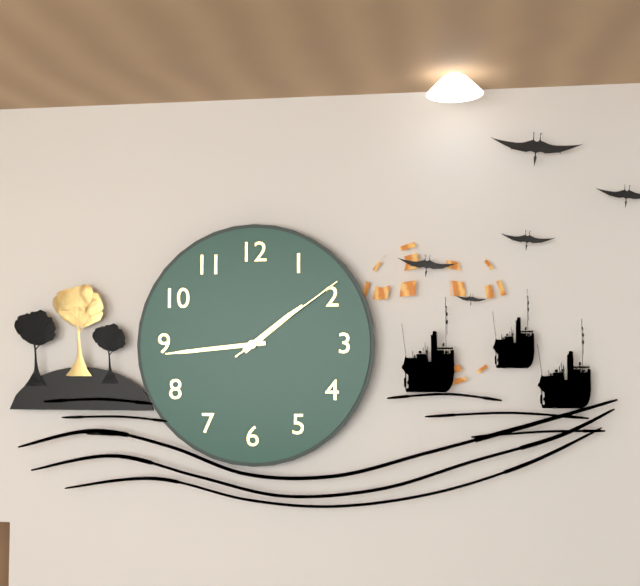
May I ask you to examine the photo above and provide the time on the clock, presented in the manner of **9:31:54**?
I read **1:44:09**
